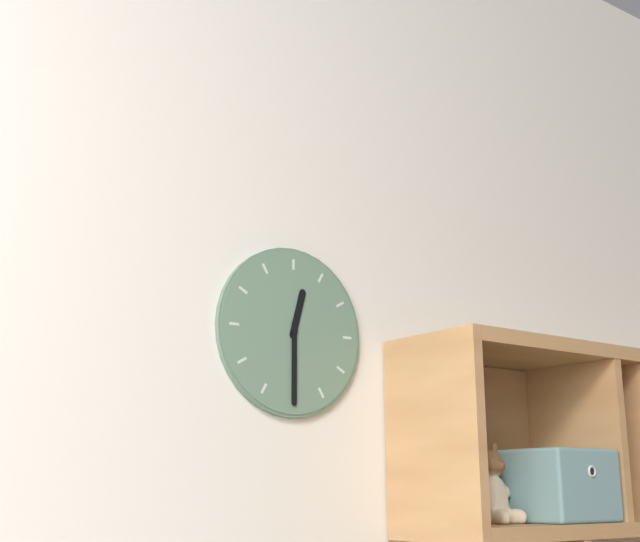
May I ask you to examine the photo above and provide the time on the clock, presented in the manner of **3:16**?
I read **12:30**
